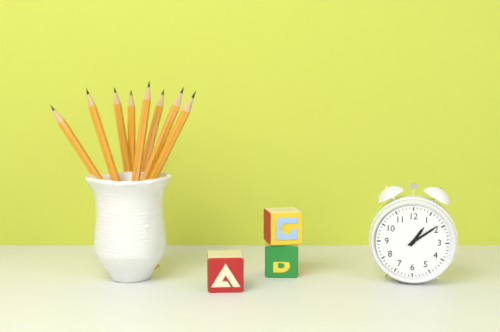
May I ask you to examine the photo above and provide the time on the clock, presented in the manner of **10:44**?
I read **1:09**
